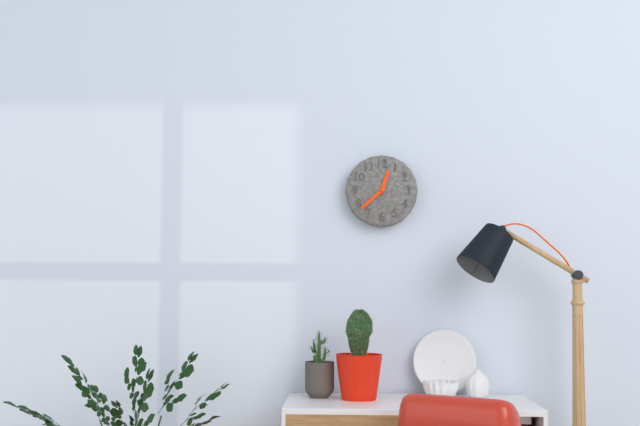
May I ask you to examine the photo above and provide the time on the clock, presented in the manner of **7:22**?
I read **12:38**
